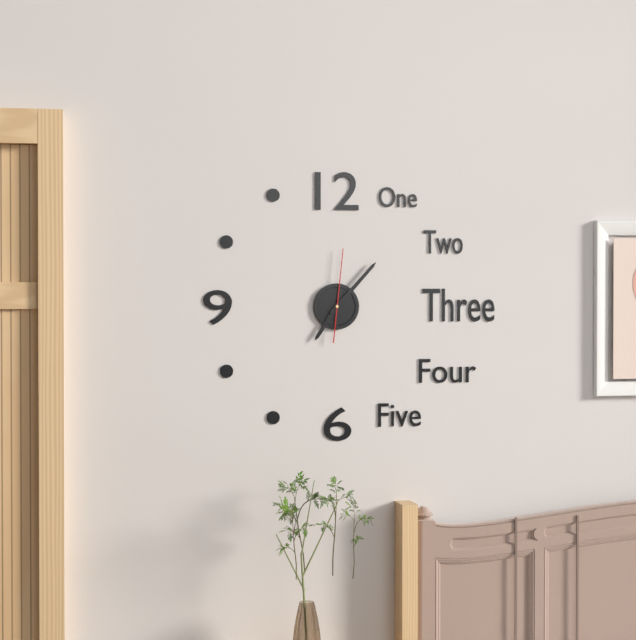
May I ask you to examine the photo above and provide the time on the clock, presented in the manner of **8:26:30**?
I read **7:07:01**
